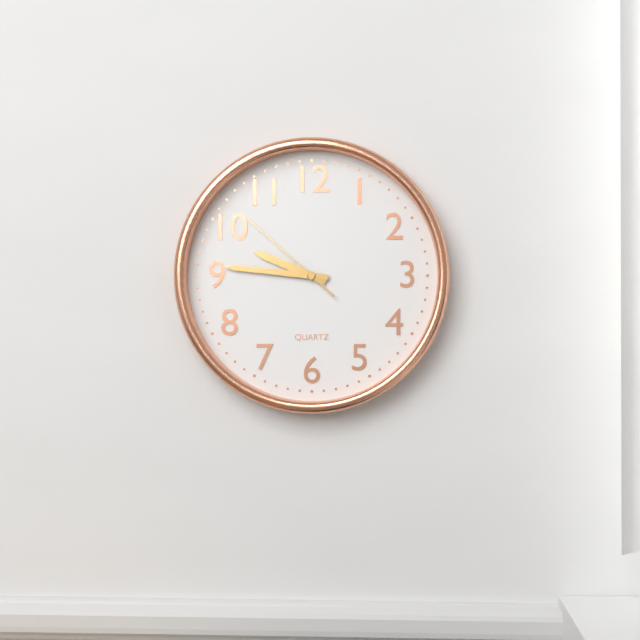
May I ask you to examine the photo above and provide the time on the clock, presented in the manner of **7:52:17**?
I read **9:46:52**
